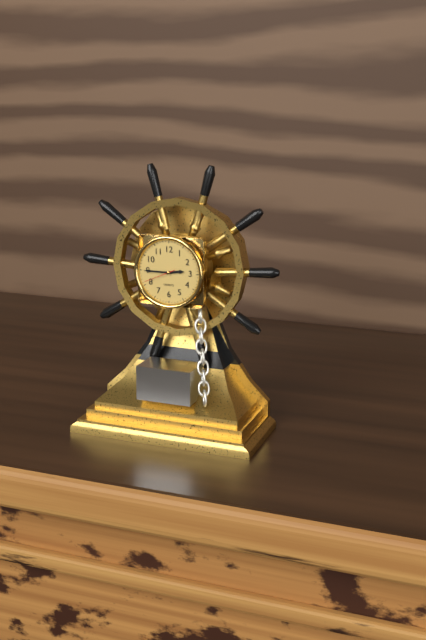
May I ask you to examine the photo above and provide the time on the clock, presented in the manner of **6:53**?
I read **2:45**
